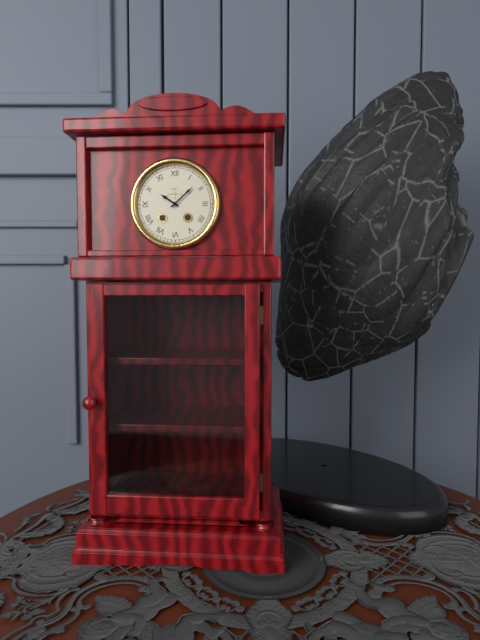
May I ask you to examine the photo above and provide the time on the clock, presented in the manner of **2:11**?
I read **10:08**
